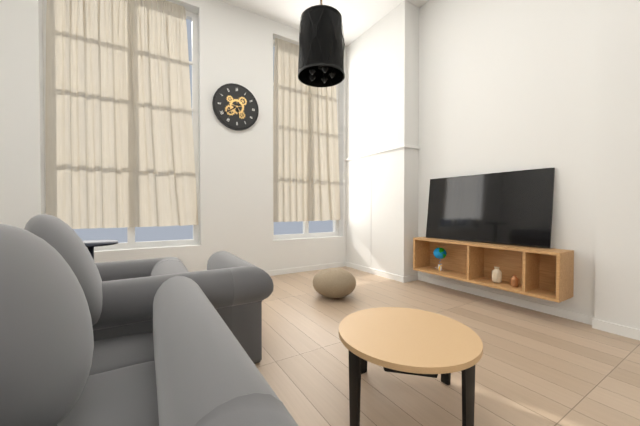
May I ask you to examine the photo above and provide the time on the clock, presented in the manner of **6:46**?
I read **5:39**
